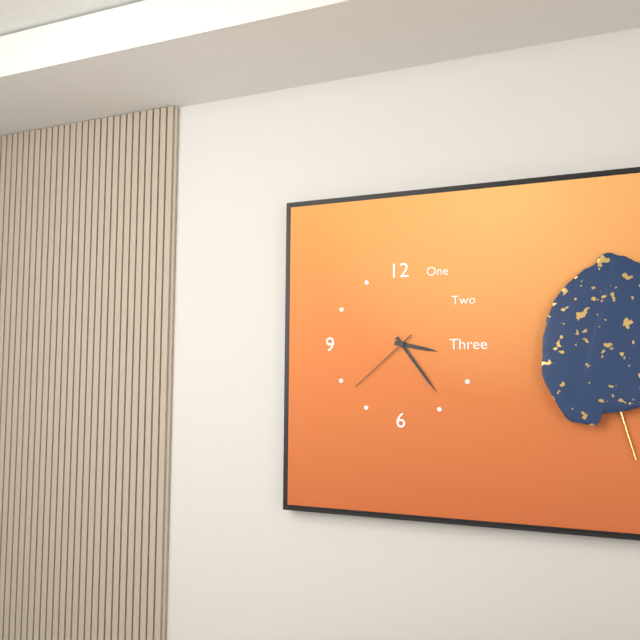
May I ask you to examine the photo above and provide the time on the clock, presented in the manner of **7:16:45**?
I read **3:24:38**
